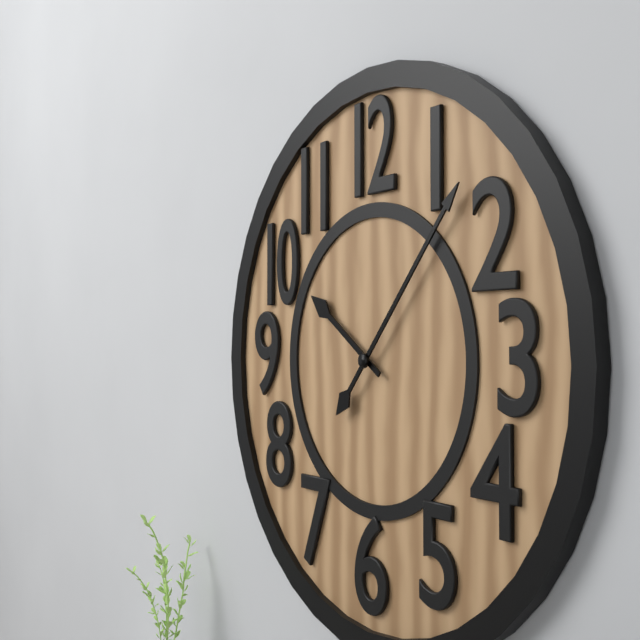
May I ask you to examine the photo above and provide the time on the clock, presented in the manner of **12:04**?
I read **10:07**
